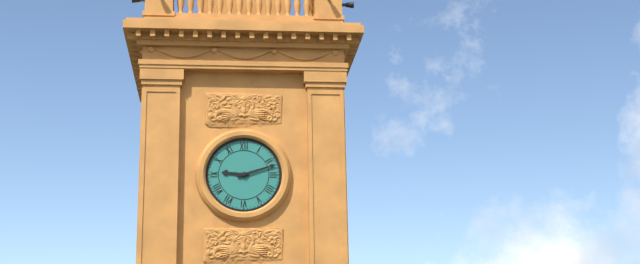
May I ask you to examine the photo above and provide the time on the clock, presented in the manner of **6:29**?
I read **9:12**
